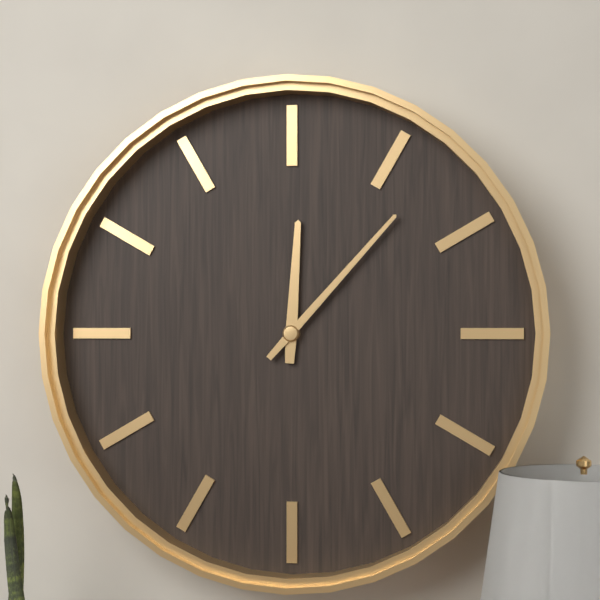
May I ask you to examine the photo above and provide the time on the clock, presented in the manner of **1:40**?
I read **12:07**
